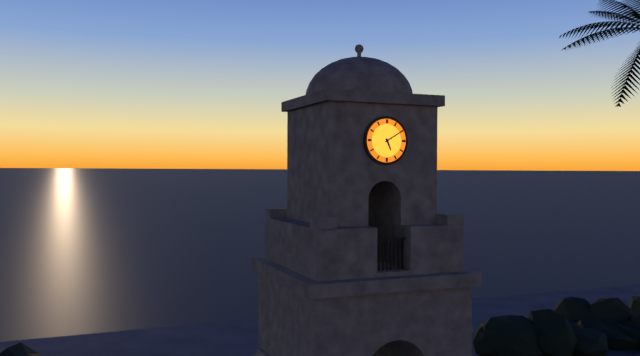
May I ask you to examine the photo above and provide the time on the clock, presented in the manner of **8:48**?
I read **5:10**
